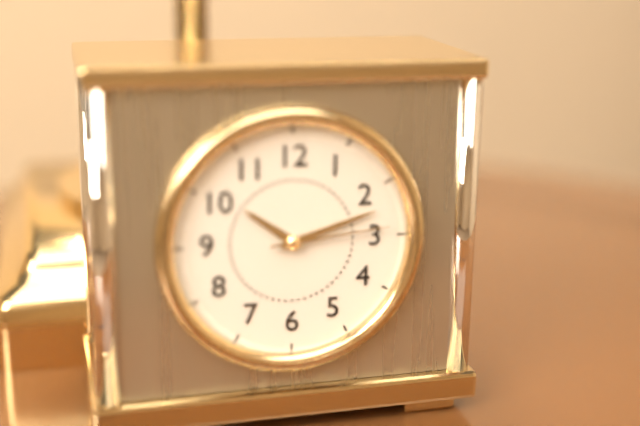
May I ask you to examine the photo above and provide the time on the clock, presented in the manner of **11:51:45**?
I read **10:12:14**
